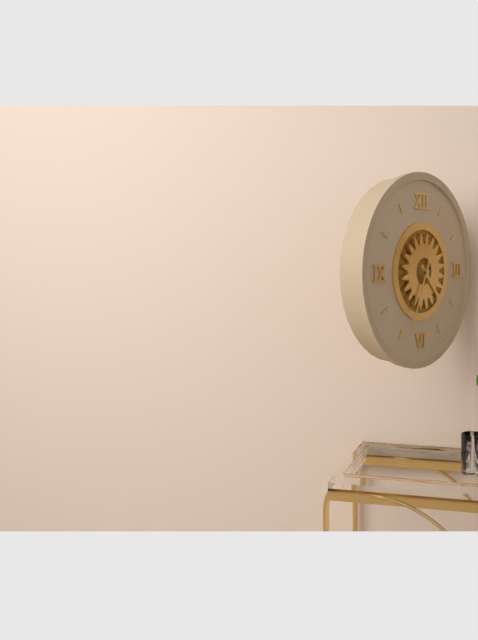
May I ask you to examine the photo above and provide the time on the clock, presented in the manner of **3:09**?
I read **4:34**
